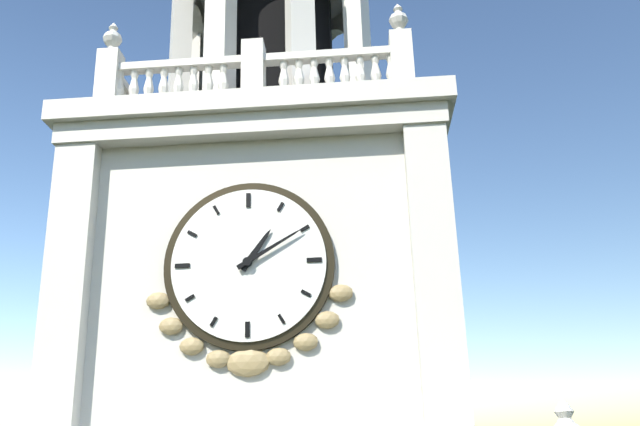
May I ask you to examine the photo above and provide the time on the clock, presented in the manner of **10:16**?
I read **1:10**
